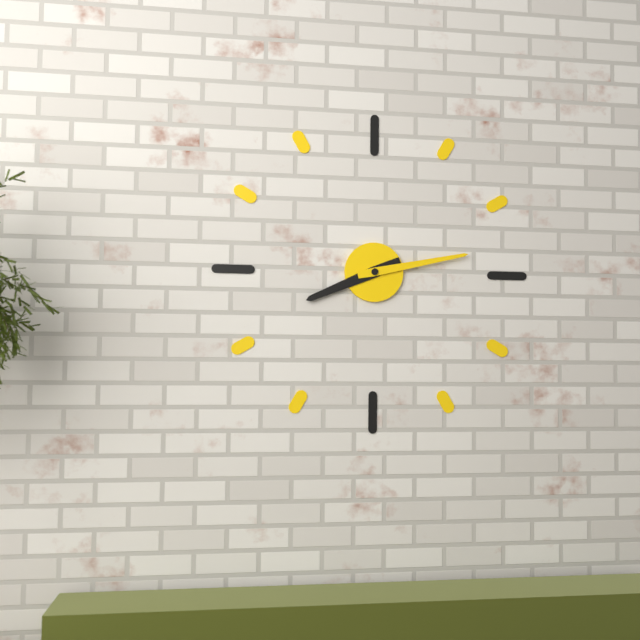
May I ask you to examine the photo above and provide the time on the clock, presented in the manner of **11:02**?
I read **8:13**
